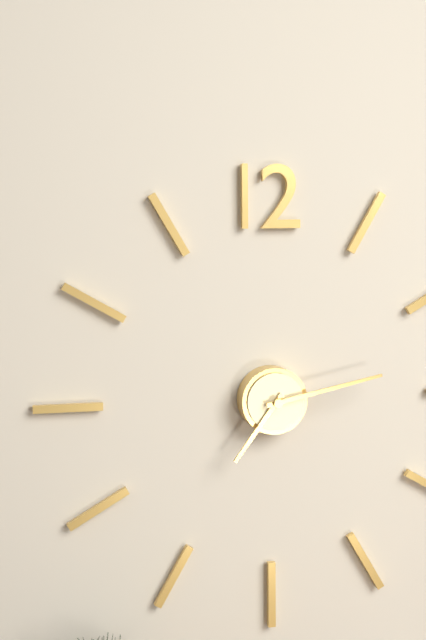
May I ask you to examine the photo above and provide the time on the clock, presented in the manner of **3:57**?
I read **7:13**
